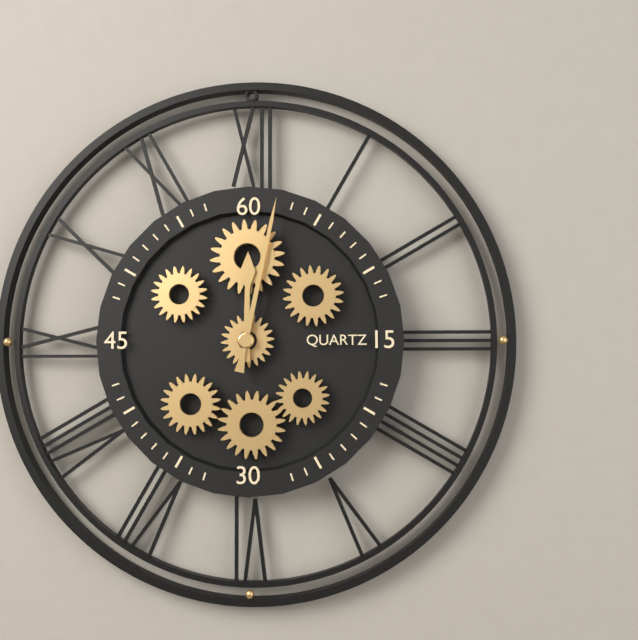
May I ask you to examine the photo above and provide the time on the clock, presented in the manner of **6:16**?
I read **12:02**
